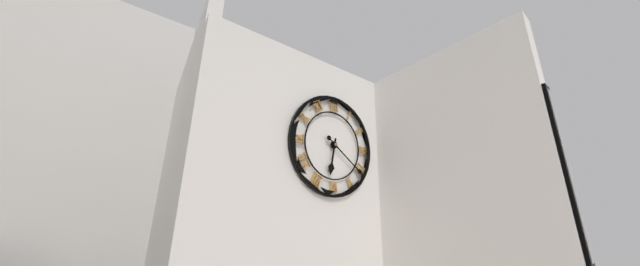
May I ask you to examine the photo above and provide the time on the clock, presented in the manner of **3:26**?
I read **6:21**
